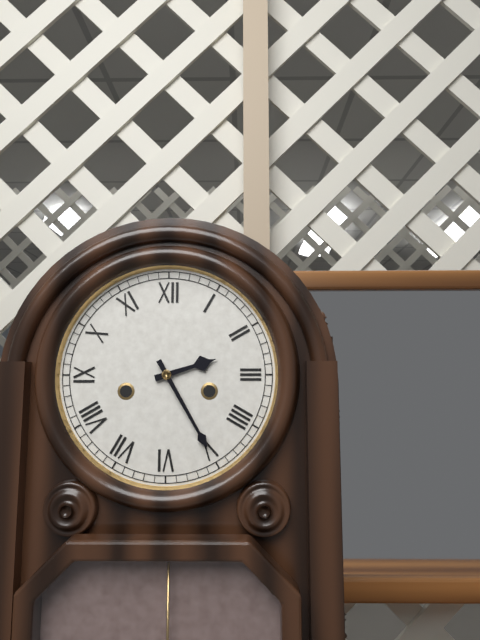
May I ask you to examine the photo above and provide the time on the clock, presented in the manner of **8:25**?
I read **2:25**
